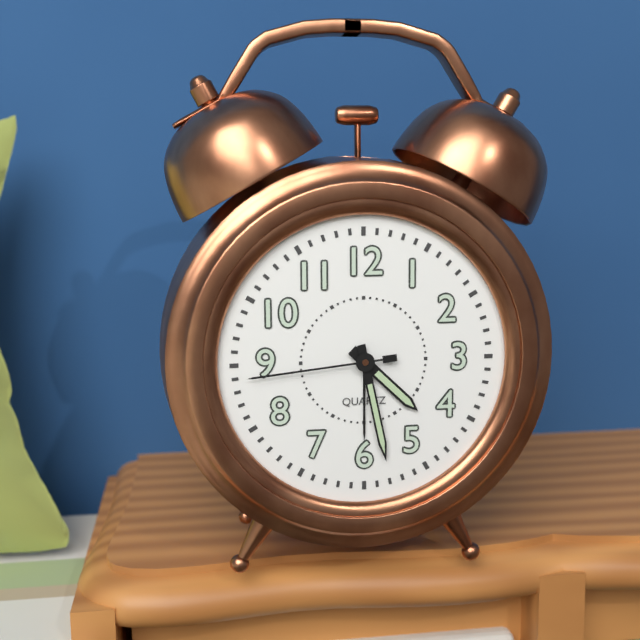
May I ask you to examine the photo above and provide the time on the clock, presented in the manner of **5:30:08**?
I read **4:28:44**
